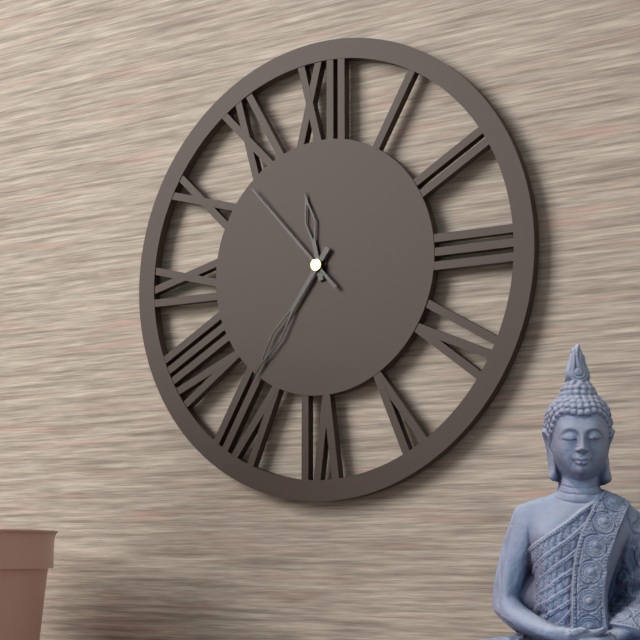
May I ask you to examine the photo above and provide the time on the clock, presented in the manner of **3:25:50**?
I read **11:36:53**
